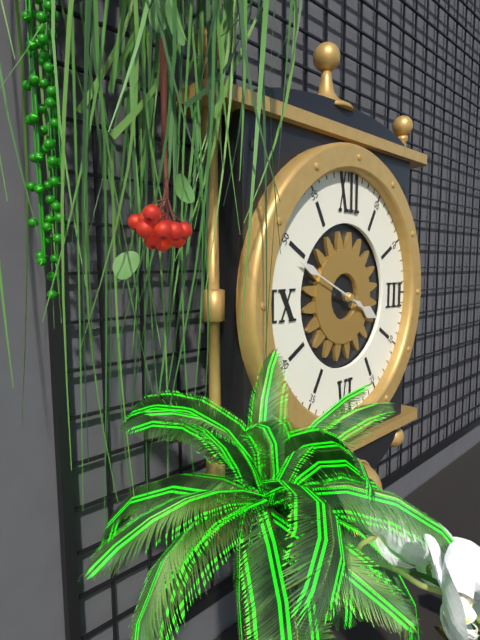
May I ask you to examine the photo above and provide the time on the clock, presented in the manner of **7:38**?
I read **3:49**
